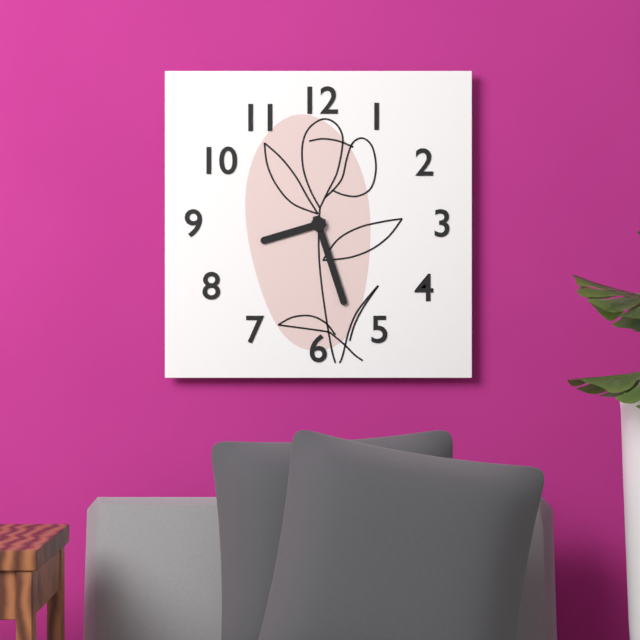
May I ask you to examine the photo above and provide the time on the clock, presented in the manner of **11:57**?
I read **8:27**
